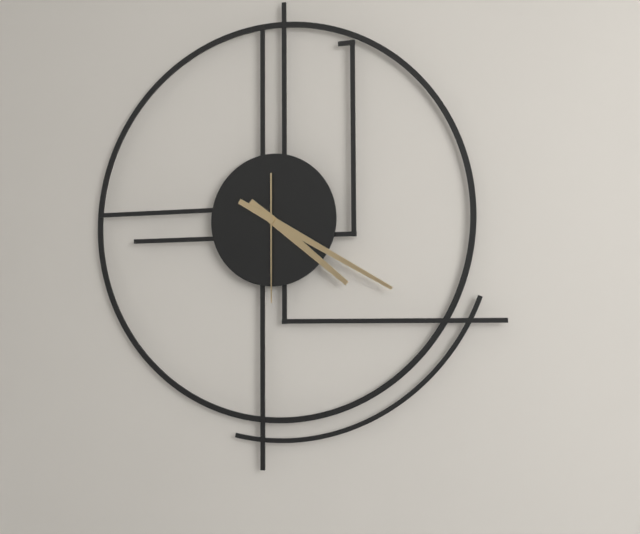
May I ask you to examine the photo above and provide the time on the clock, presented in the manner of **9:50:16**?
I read **4:20:30**
